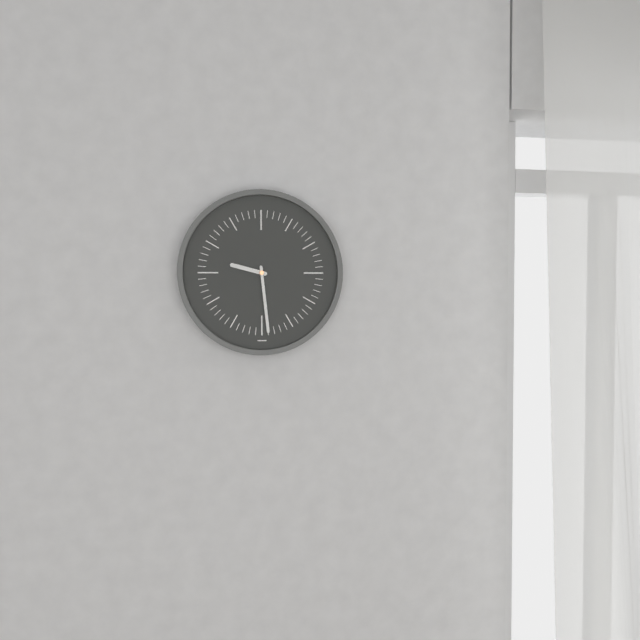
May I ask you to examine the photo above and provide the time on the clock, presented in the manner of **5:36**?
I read **9:29**
